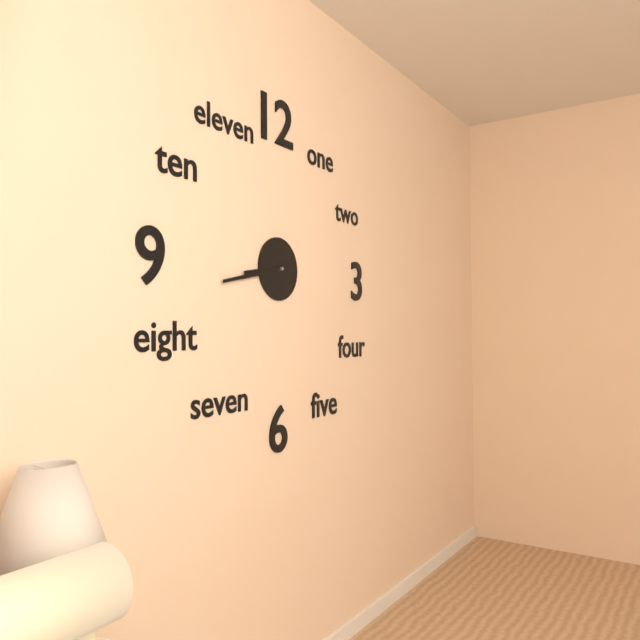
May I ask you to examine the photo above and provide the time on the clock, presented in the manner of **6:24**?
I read **8:43**
